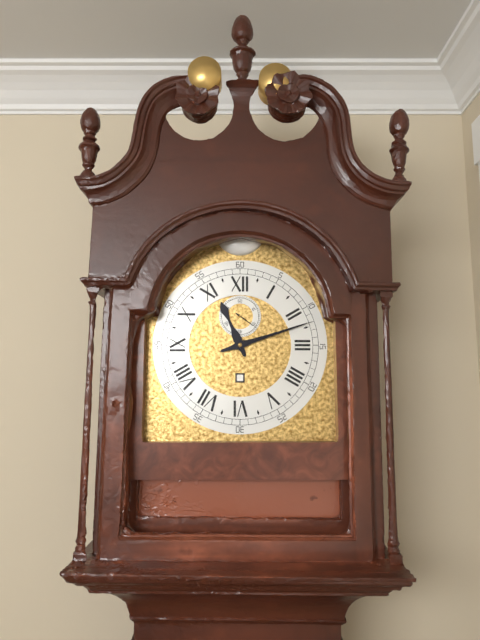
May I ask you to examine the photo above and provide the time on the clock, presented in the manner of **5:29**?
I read **11:12**
